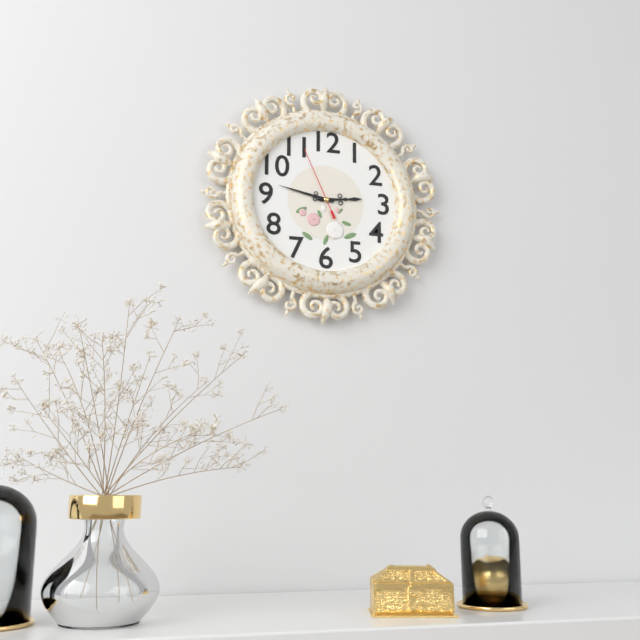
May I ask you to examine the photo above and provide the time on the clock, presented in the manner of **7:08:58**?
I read **2:47:56**
